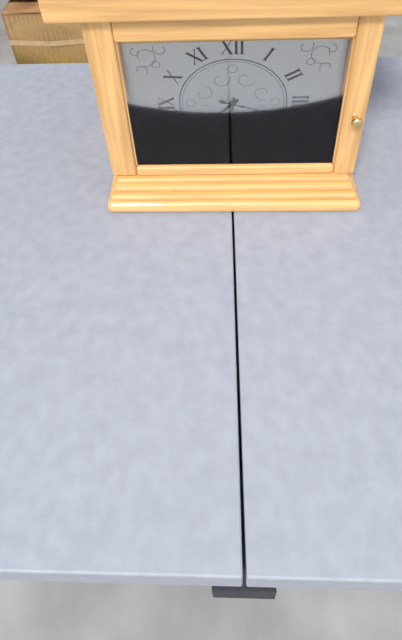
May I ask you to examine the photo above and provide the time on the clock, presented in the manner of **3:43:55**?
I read **7:31:18**
